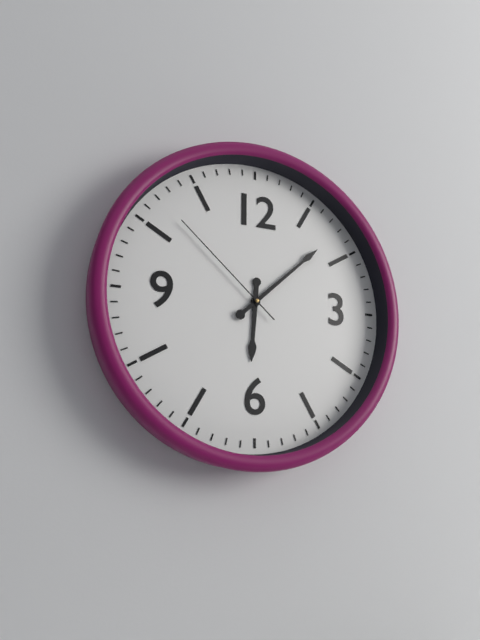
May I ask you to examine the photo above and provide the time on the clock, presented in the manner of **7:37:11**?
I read **6:08:52**
